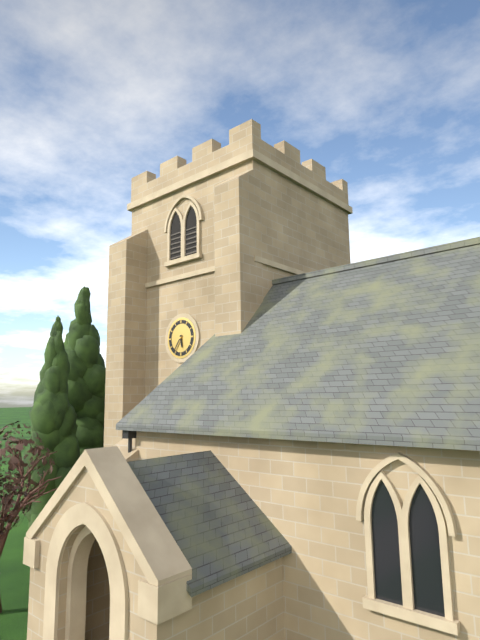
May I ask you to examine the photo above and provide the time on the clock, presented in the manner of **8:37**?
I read **5:36**
